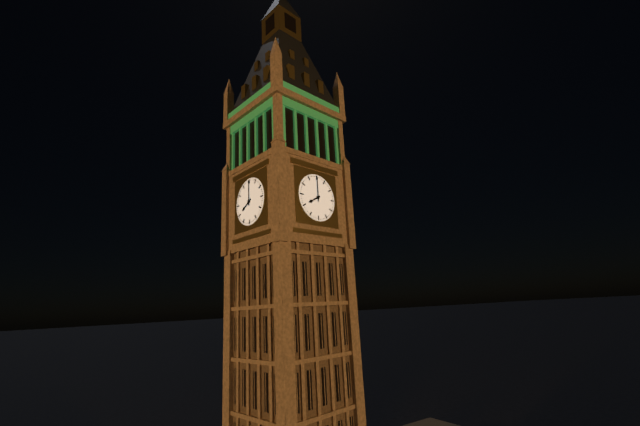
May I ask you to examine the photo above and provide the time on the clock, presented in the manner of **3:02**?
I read **8:00**
